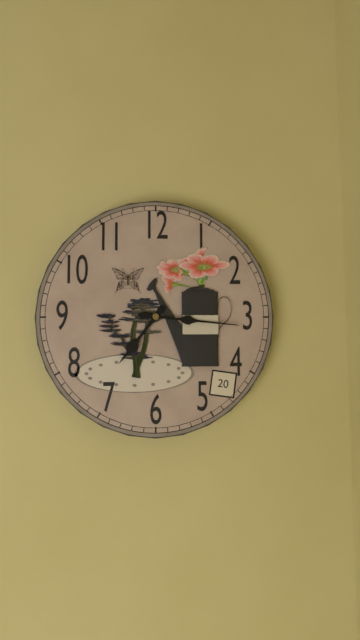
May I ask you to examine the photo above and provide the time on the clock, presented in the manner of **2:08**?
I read **7:16**
